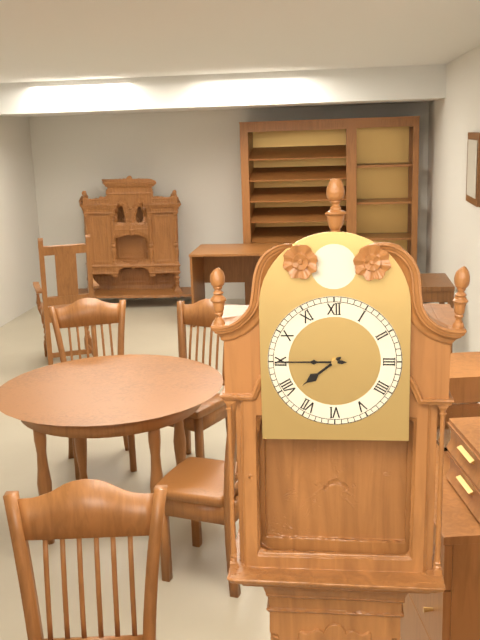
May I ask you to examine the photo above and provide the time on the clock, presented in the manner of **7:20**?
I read **7:45**
